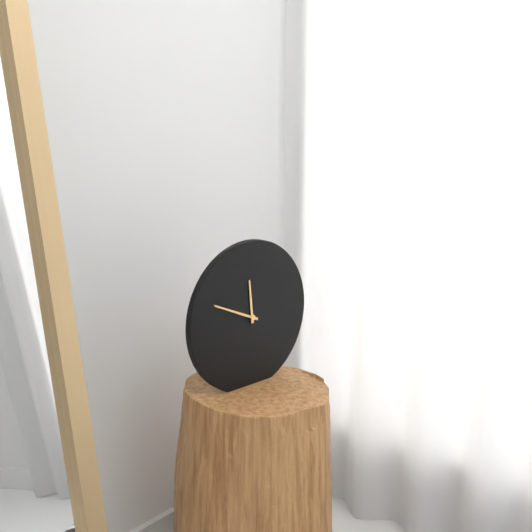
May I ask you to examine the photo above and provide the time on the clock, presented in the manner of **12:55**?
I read **11:49**
